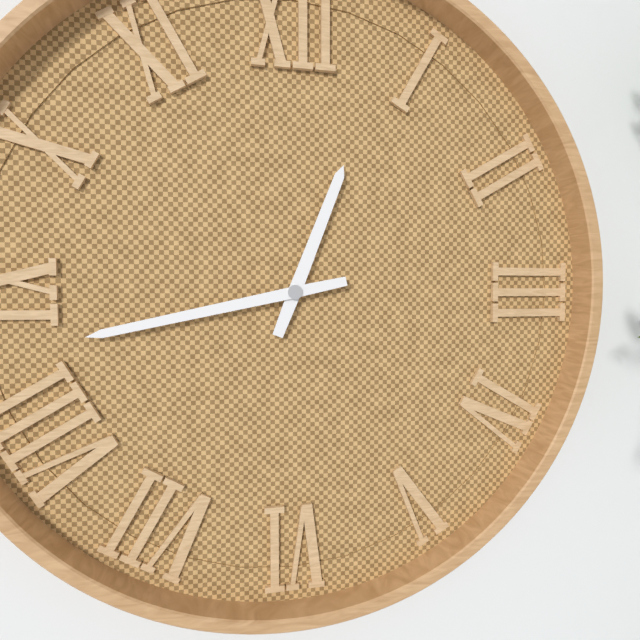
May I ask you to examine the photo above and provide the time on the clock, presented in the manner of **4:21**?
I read **12:43**
